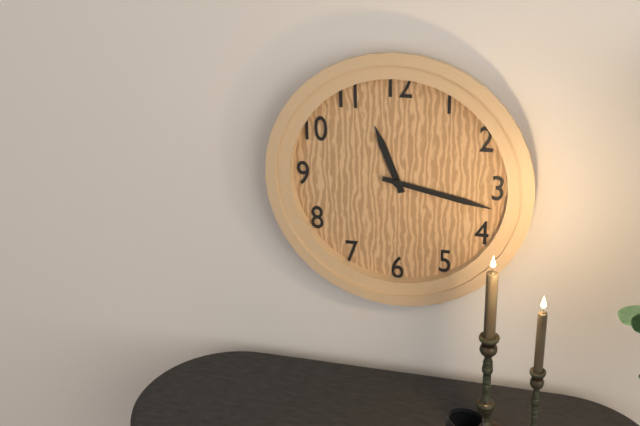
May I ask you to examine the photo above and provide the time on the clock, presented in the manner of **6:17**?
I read **11:17**
